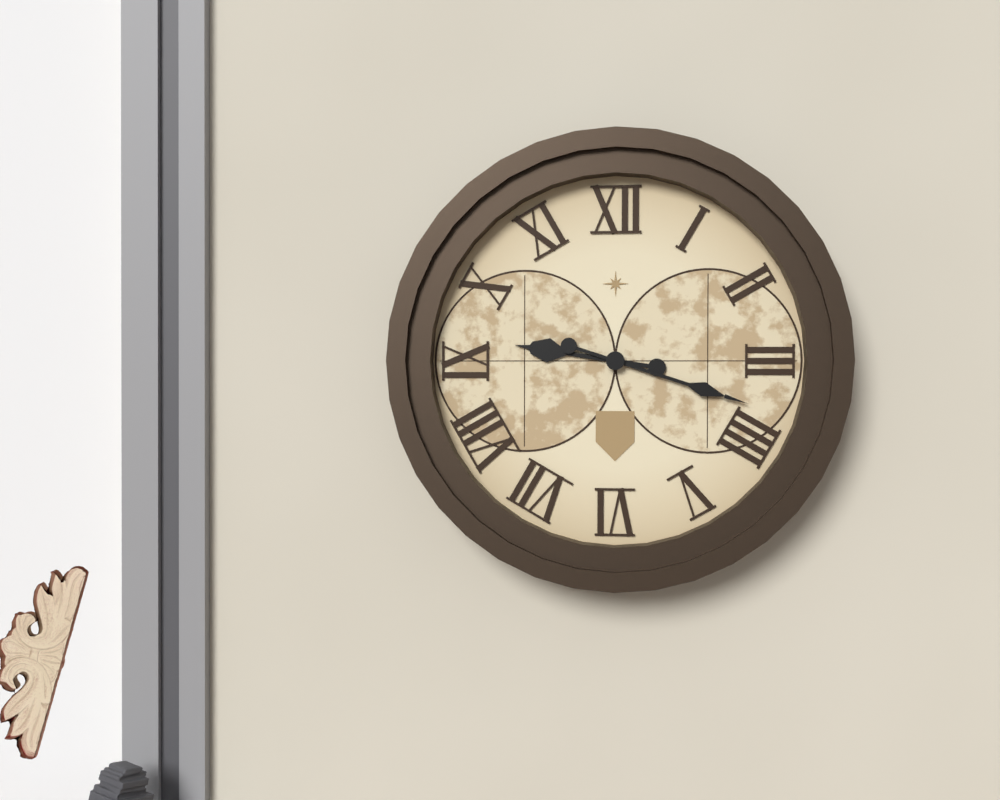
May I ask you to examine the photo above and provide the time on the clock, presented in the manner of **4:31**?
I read **9:18**
